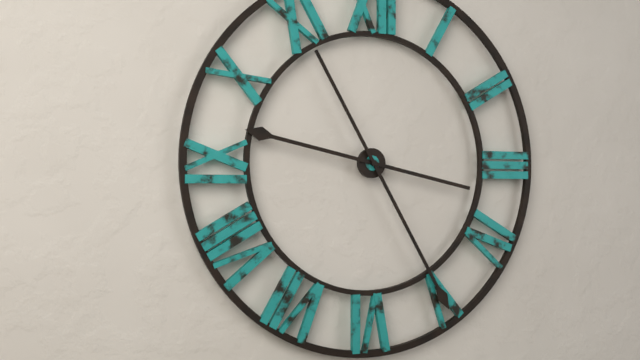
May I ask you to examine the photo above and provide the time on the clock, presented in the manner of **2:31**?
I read **9:25**
